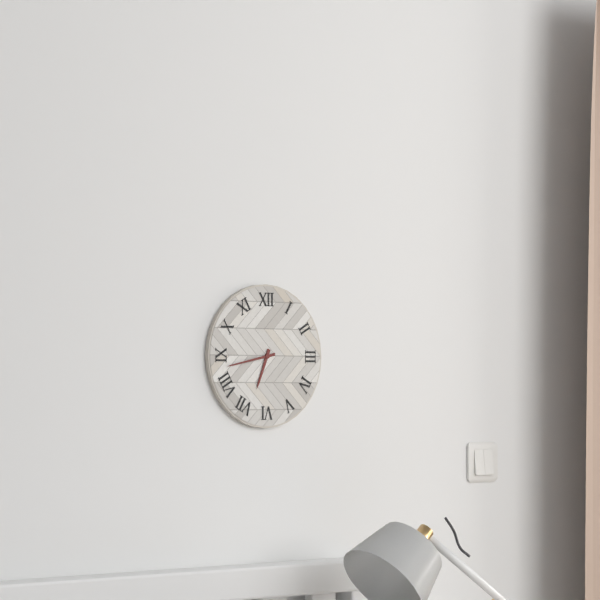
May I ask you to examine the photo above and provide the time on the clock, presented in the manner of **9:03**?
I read **6:43**
